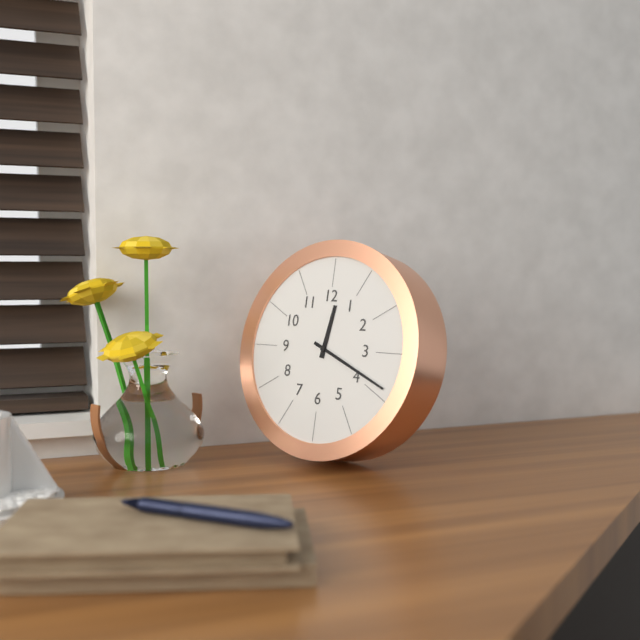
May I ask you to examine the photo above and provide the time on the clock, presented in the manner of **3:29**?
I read **12:19**
